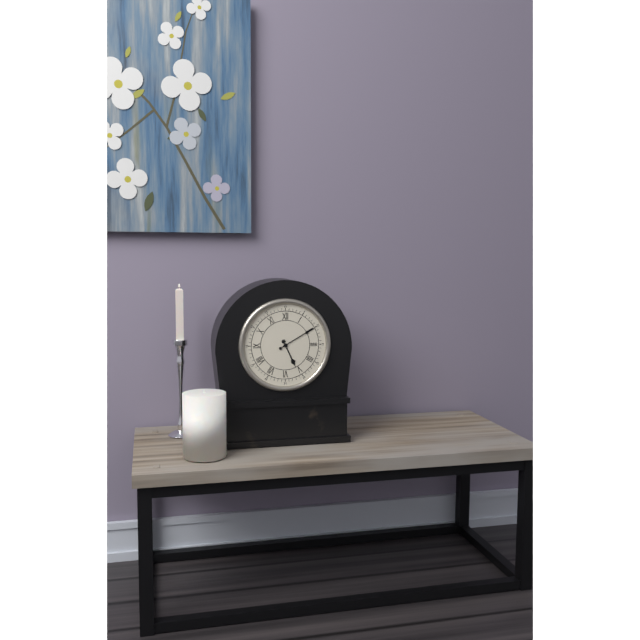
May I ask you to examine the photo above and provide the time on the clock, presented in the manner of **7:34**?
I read **5:10**
